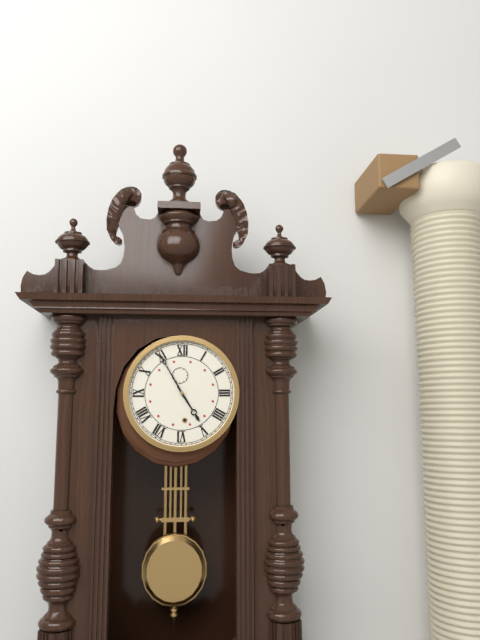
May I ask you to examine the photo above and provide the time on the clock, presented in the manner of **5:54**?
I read **4:55**
